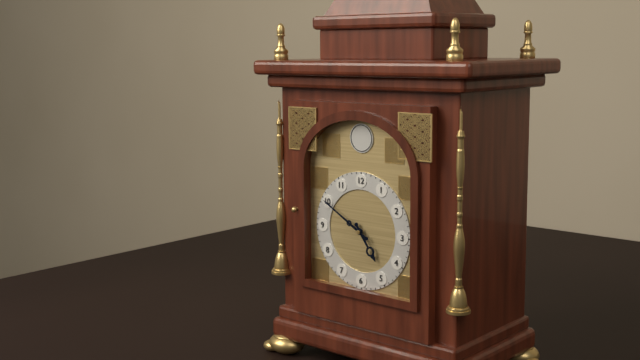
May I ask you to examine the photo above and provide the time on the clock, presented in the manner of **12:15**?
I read **4:50**
